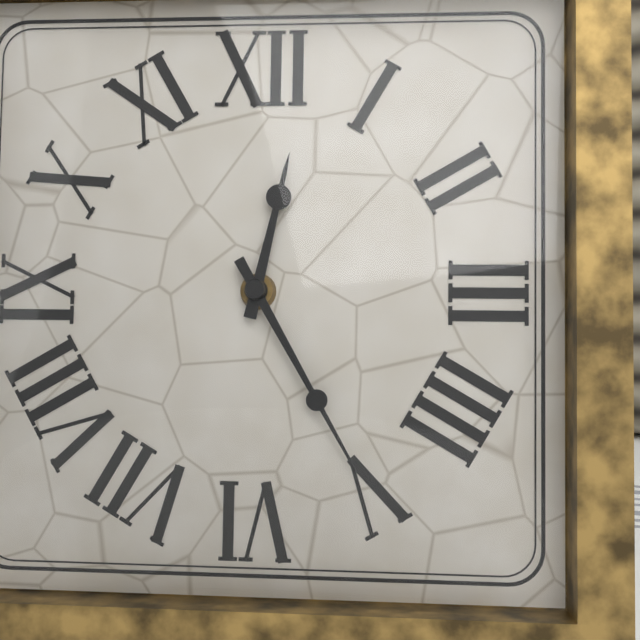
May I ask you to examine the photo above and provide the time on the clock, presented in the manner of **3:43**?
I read **12:25**
